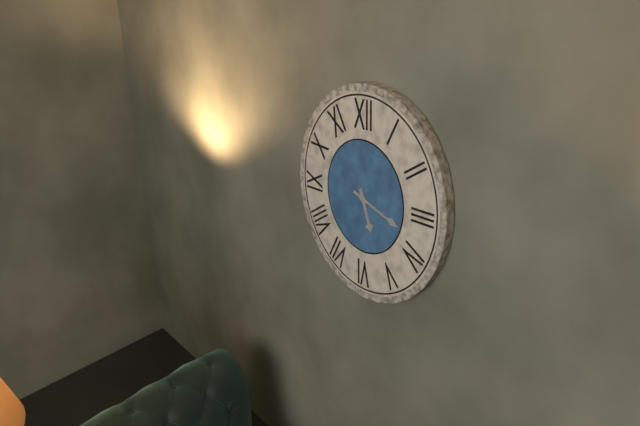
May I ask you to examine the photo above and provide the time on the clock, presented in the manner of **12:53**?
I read **5:18**
